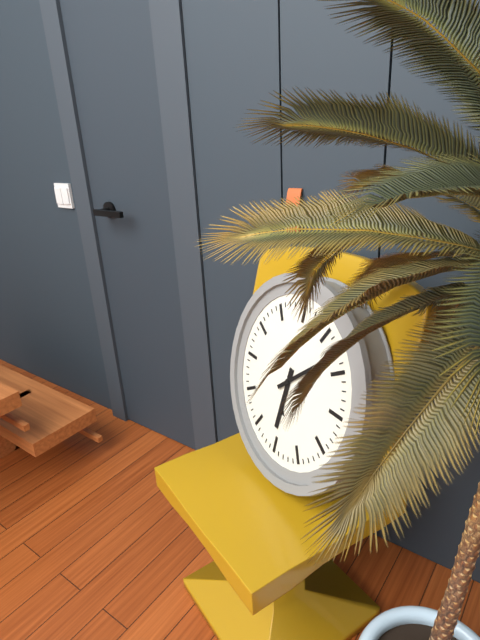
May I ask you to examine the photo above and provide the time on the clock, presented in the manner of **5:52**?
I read **6:08**
